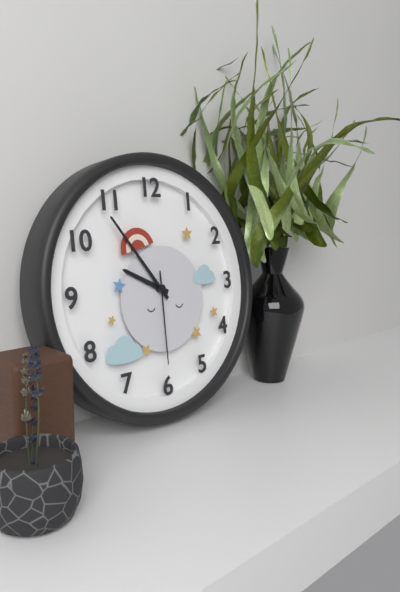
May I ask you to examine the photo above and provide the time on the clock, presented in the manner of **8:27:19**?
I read **9:54:30**
